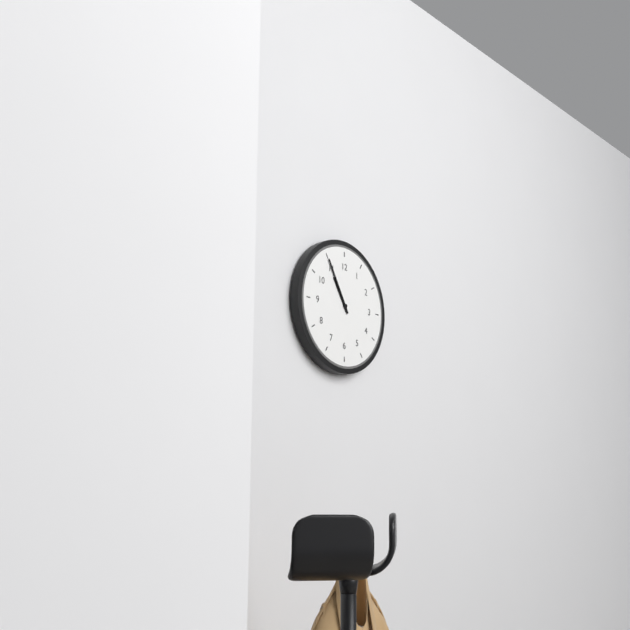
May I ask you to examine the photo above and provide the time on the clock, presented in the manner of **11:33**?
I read **10:55**
